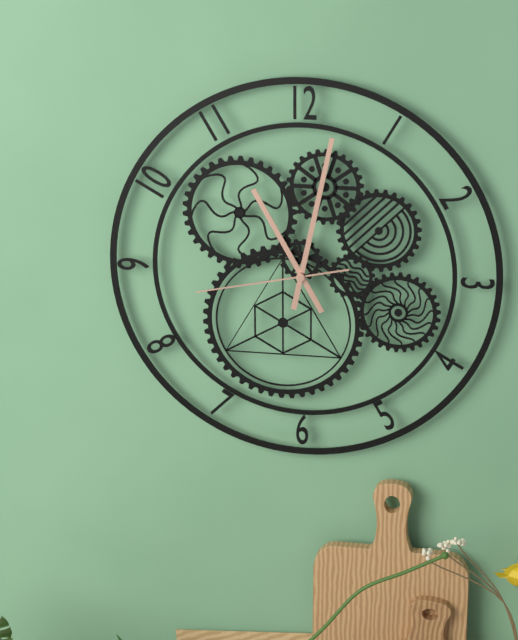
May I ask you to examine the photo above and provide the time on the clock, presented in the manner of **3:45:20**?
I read **11:02:43**
